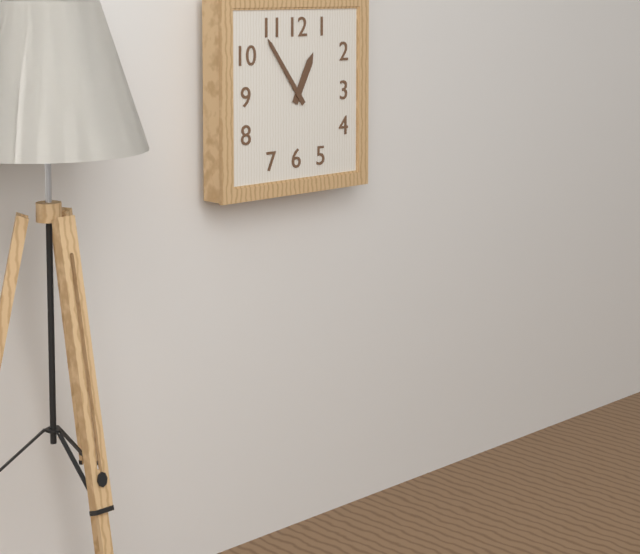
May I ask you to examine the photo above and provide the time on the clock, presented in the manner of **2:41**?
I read **12:54**
